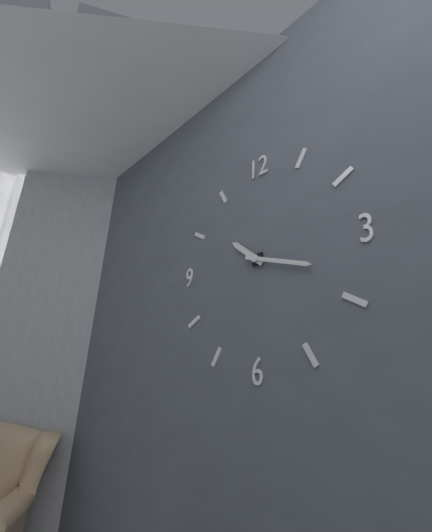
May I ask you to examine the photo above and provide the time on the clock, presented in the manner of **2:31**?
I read **10:18**
